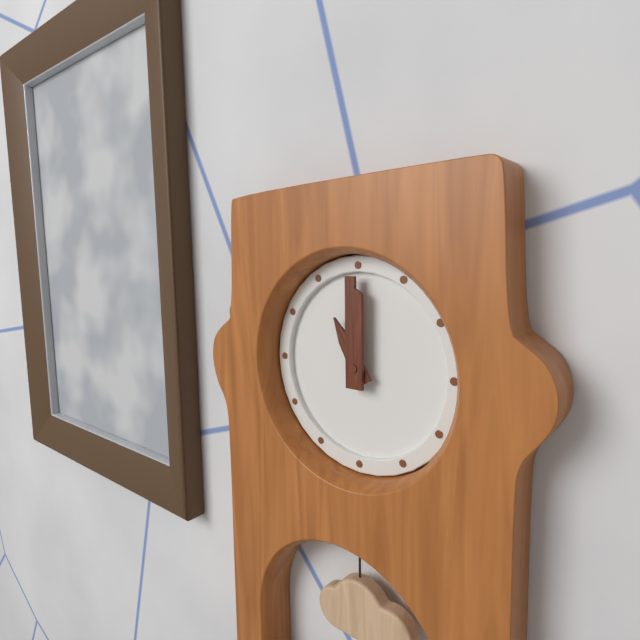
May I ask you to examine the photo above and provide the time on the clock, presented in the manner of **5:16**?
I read **11:00**
